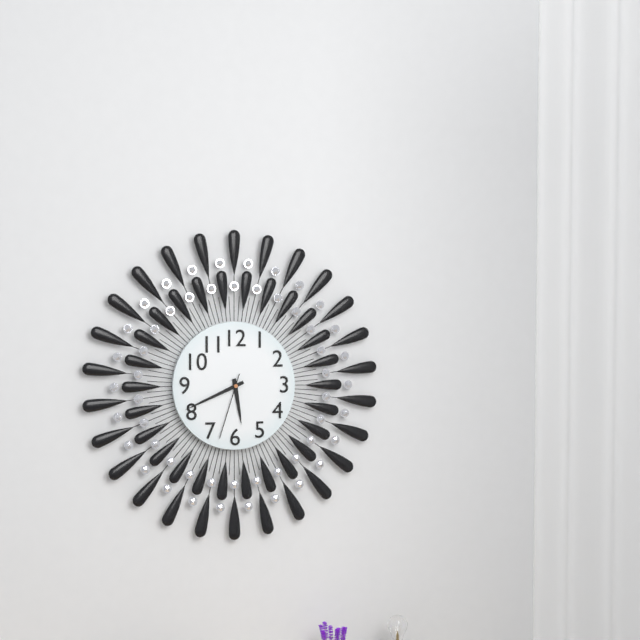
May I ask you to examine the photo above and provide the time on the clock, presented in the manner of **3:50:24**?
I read **5:41:33**
